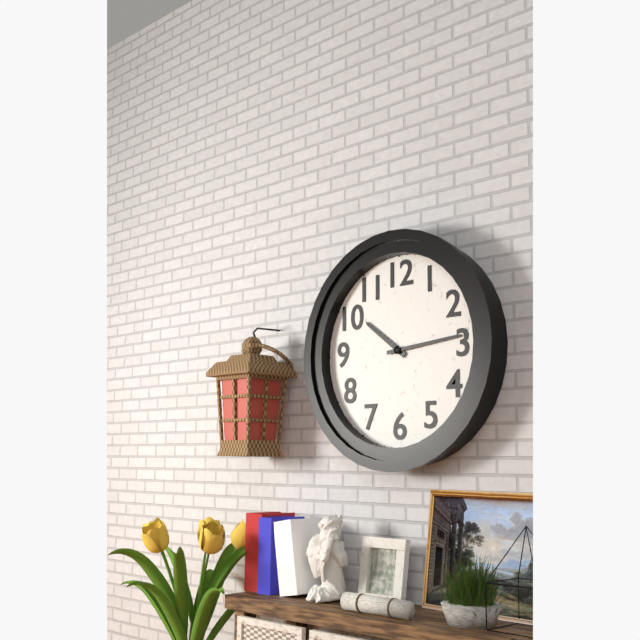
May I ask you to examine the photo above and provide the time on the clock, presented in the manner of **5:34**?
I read **10:14**
